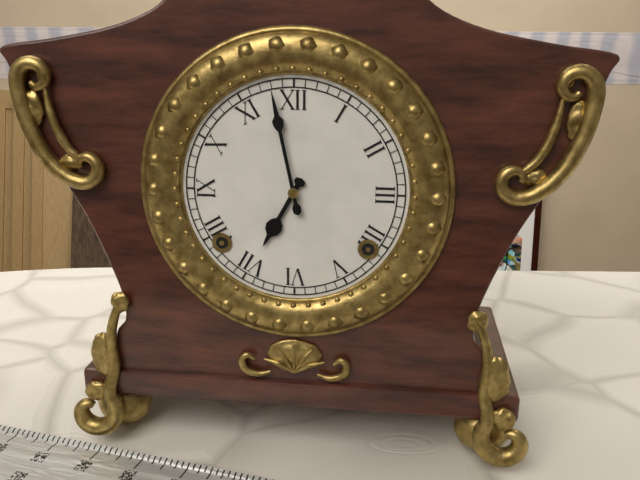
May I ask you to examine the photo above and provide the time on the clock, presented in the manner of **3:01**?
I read **6:58**
